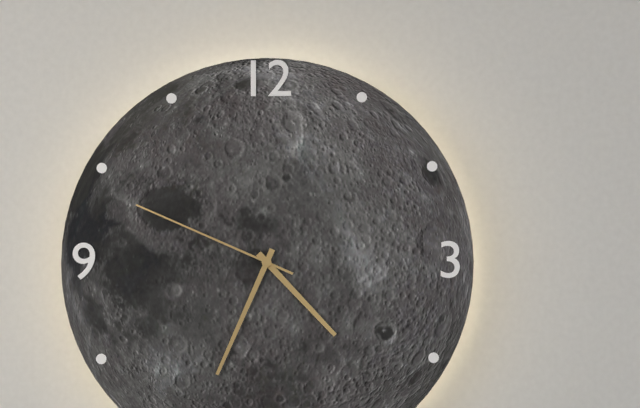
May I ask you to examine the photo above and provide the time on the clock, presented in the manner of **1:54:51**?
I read **4:34:49**
